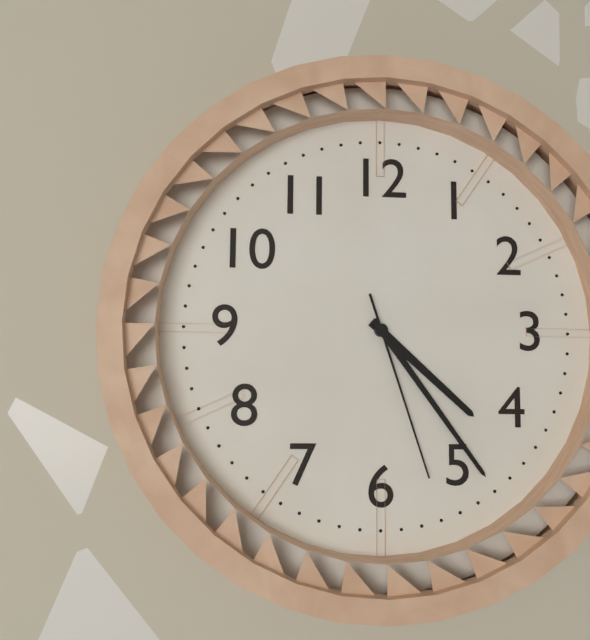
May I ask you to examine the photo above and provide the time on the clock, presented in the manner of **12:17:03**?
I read **4:24:27**
